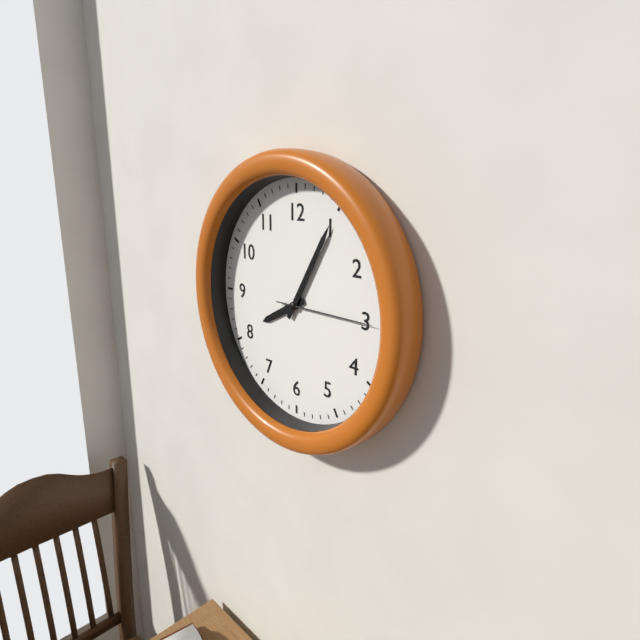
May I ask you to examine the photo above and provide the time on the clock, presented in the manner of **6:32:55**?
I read **8:05:15**
